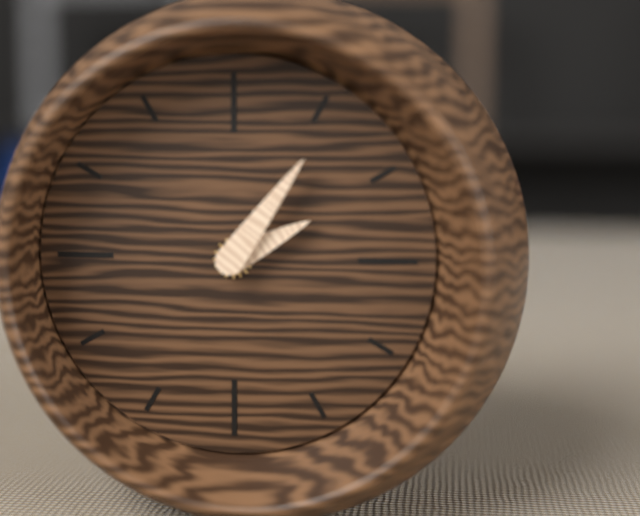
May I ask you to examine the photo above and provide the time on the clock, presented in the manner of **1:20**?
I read **2:06**
